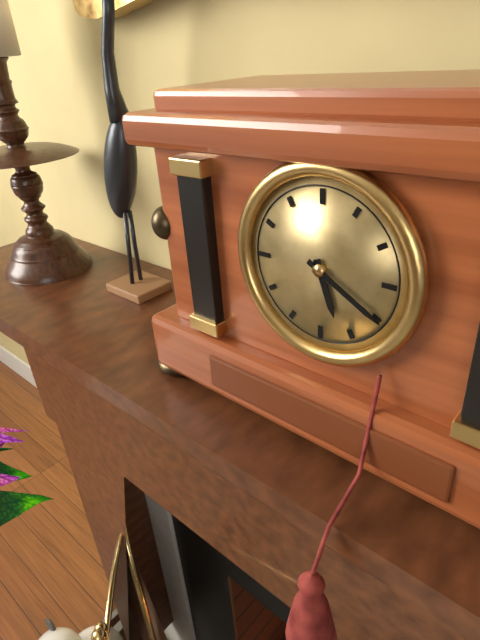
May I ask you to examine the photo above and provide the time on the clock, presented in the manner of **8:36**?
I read **5:20**
